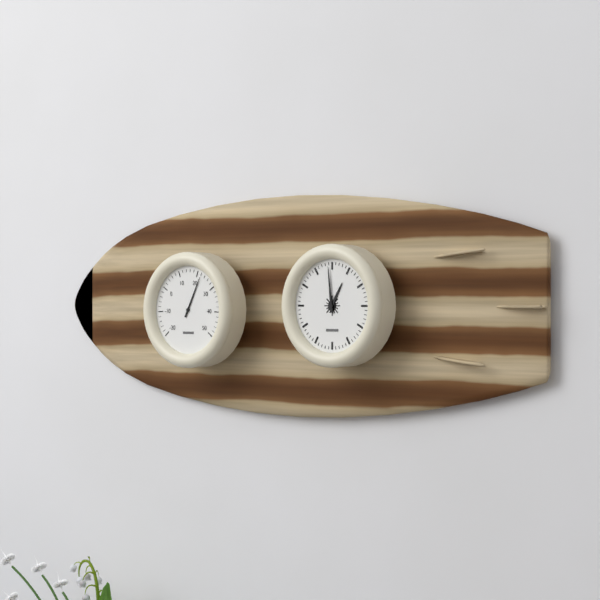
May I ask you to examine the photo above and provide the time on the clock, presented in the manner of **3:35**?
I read **12:59**
